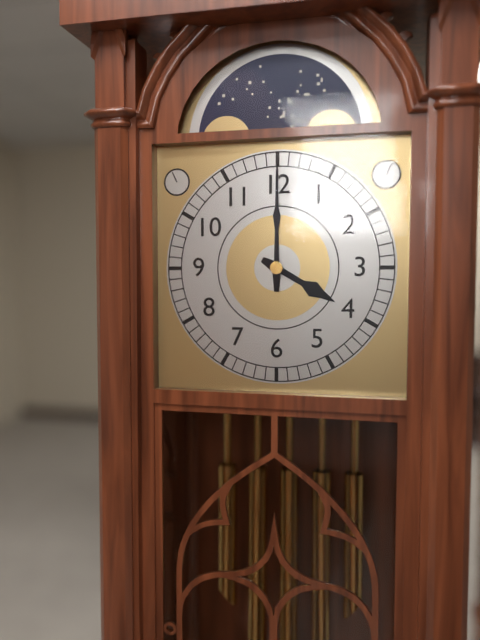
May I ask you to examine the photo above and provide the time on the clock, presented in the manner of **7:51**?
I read **4:00**
